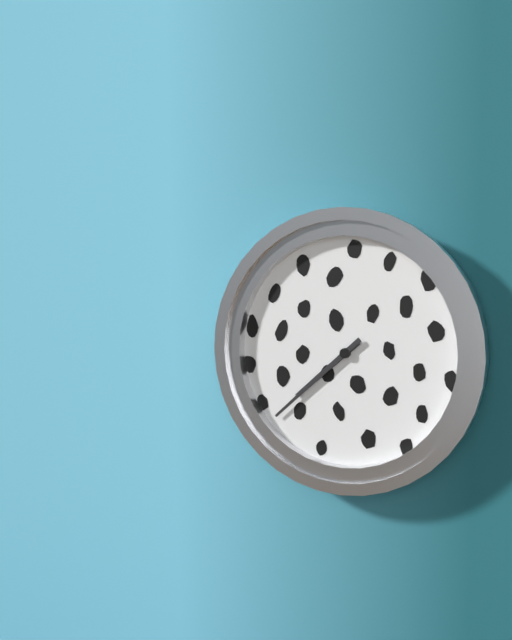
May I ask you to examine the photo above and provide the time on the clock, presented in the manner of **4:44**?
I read **7:38**
